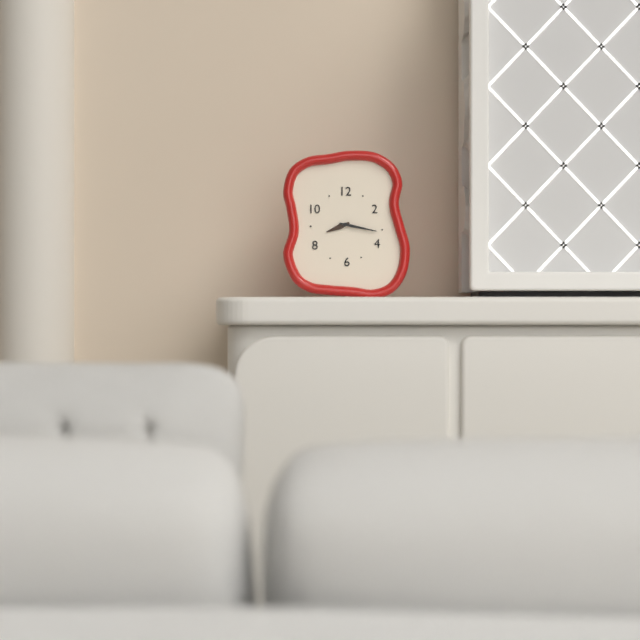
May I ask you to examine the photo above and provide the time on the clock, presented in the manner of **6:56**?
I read **8:17**
